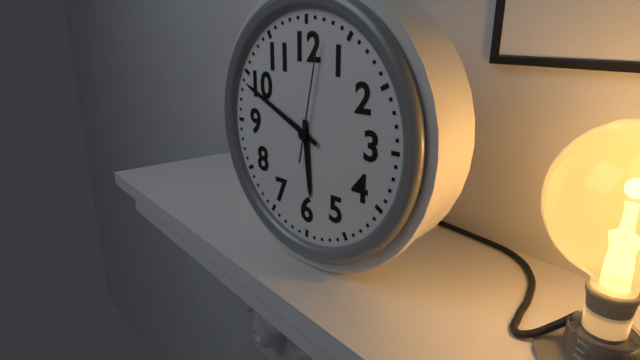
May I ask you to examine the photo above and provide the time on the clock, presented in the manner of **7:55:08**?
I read **5:49:02**
